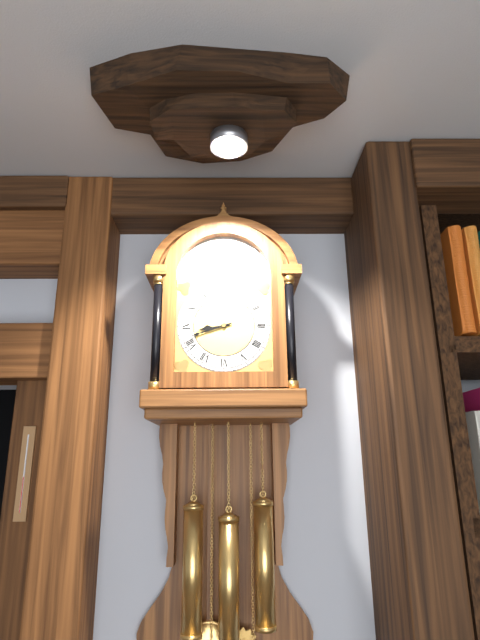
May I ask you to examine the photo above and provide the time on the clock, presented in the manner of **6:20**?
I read **8:42**
